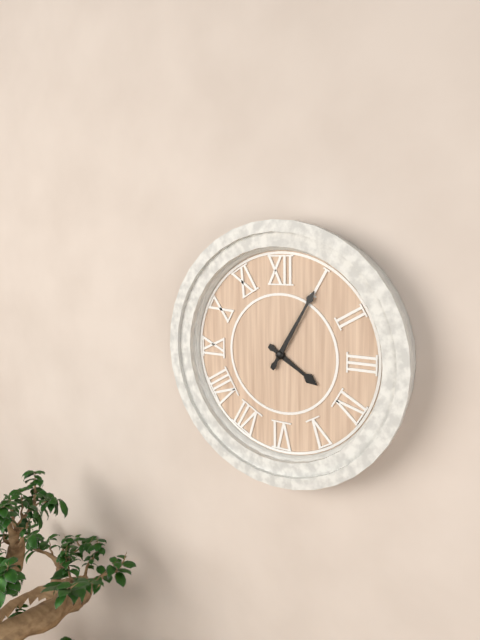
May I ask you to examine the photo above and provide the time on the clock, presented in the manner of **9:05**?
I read **4:05**
